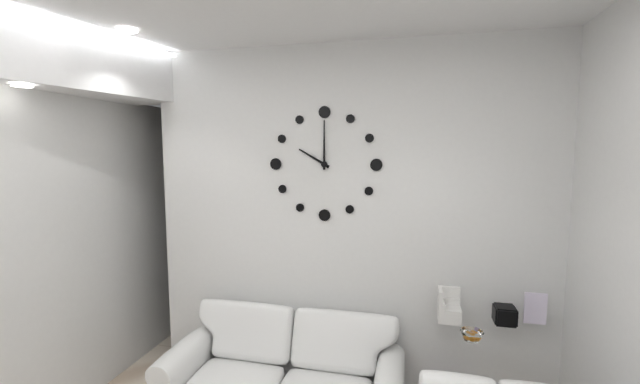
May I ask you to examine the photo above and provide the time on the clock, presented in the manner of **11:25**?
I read **10:00**
